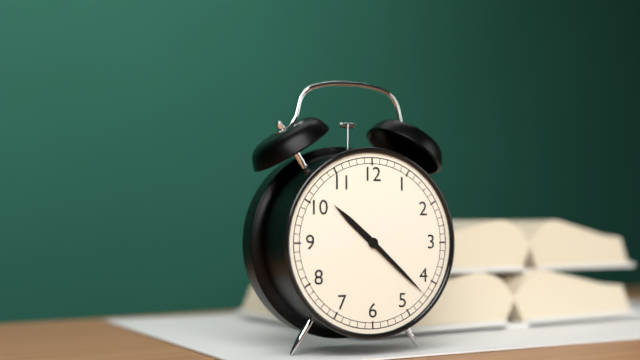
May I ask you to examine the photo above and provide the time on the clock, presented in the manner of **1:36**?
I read **10:22**
